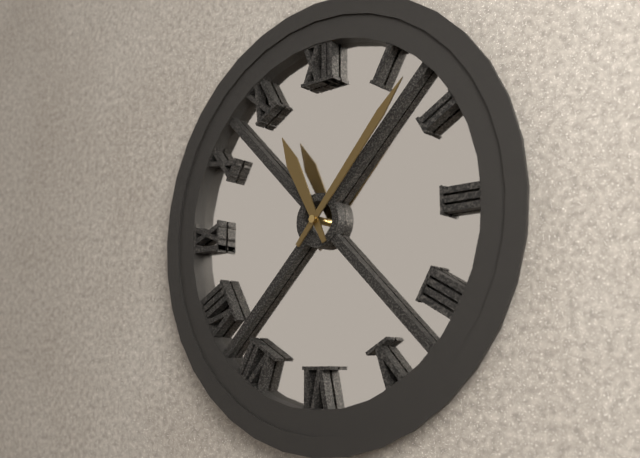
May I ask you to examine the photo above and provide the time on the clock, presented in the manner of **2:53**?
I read **11:07**
